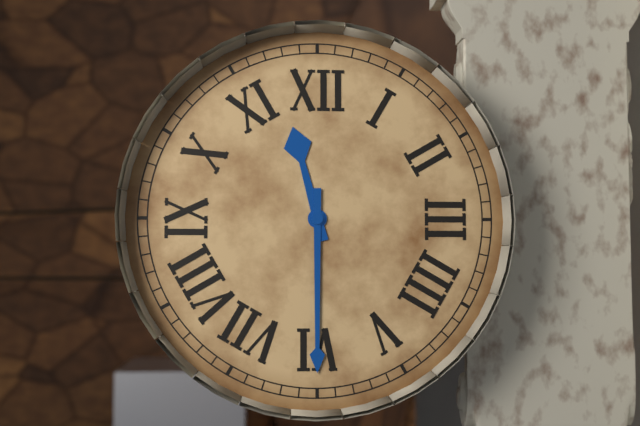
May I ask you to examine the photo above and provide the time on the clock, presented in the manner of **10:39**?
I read **11:30**
